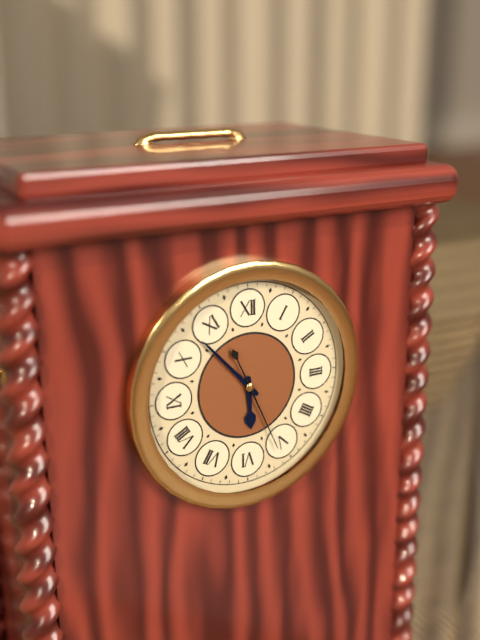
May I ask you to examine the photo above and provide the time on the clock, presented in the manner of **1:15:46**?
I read **5:53:26**
